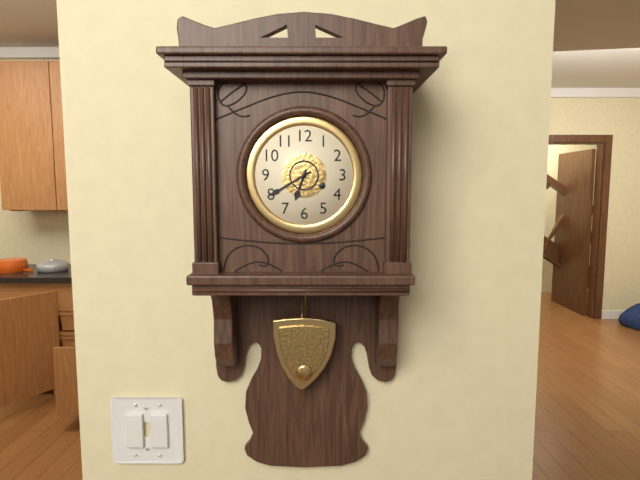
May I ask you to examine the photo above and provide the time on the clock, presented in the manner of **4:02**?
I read **6:40**
